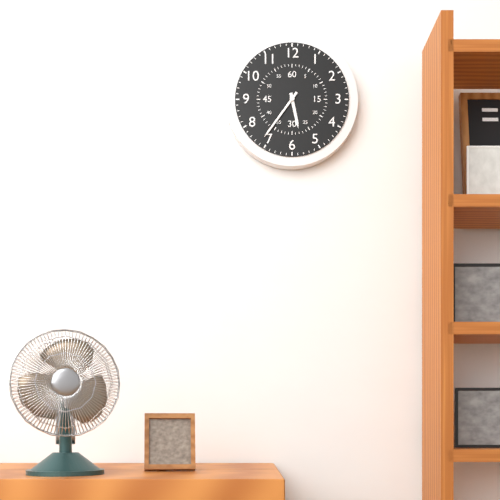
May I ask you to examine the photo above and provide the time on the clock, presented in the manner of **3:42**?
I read **5:36**
